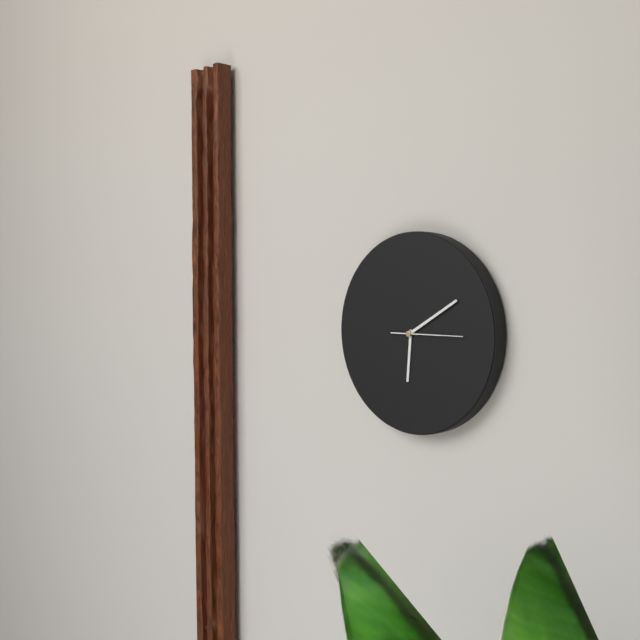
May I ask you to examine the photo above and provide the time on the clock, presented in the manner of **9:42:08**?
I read **6:10:15**
